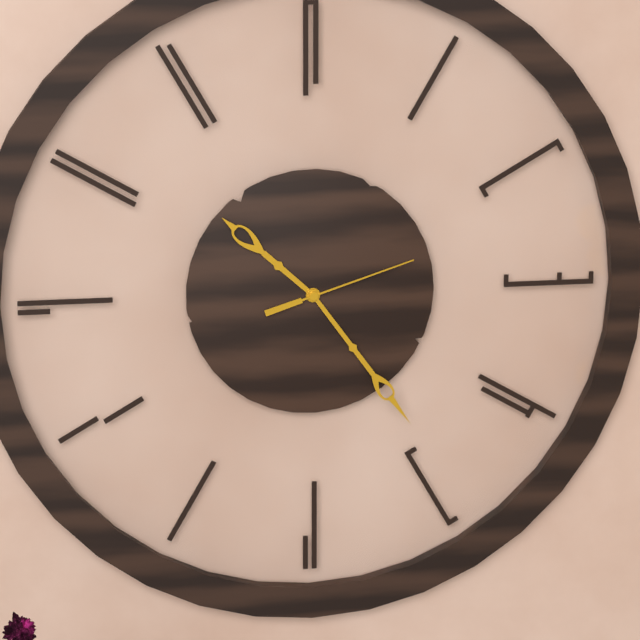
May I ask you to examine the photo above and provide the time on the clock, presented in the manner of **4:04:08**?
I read **10:24:12**
